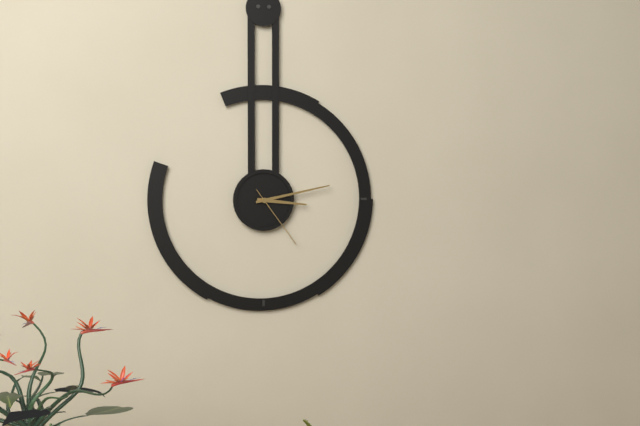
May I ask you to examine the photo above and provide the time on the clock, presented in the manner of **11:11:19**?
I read **3:13:24**
